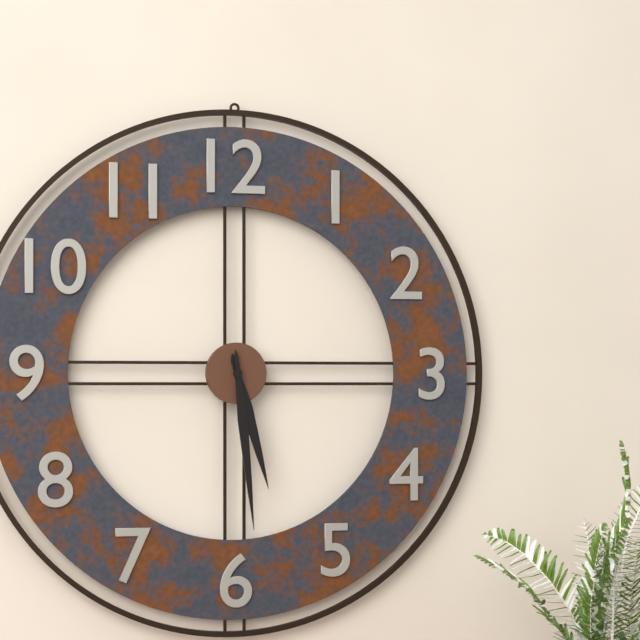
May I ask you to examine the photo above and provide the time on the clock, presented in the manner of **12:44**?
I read **5:29**
